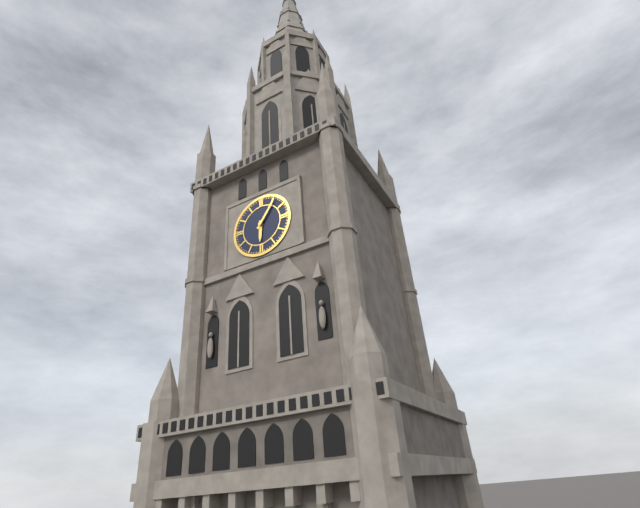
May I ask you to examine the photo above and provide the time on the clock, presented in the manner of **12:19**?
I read **6:06**
